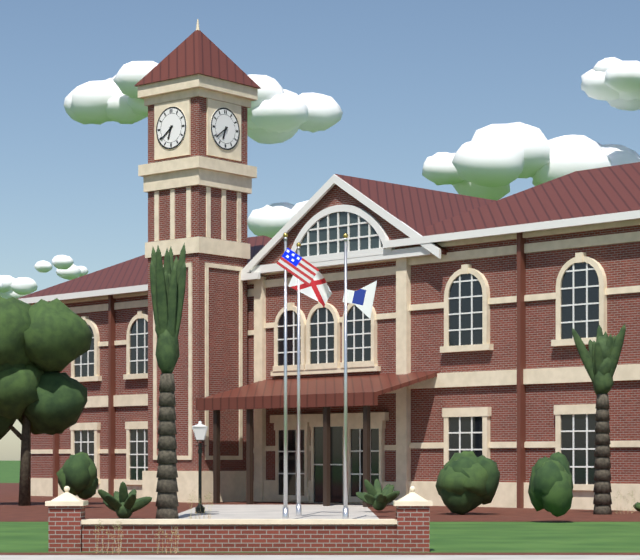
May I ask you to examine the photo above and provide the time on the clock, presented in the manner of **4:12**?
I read **6:39**
